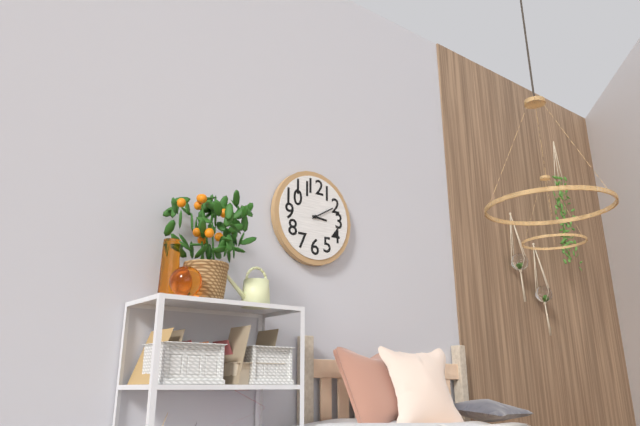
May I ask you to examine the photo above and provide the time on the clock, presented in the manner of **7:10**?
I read **3:10**
